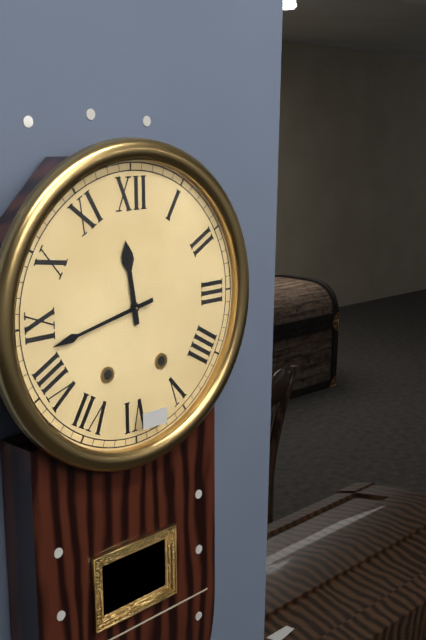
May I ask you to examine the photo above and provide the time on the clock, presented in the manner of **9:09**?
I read **11:43**
